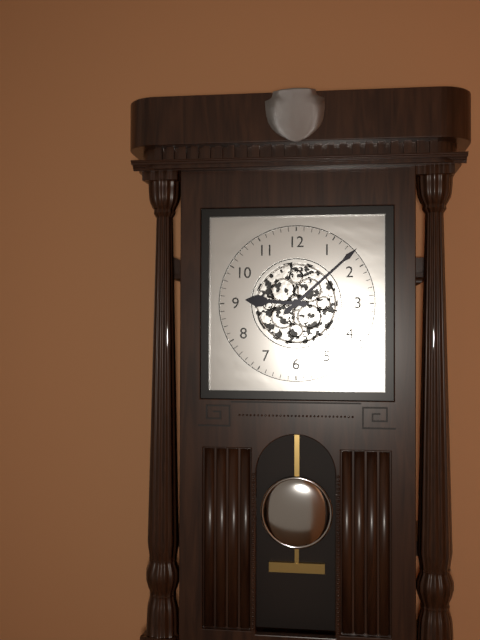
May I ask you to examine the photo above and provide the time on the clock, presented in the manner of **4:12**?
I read **9:08**
